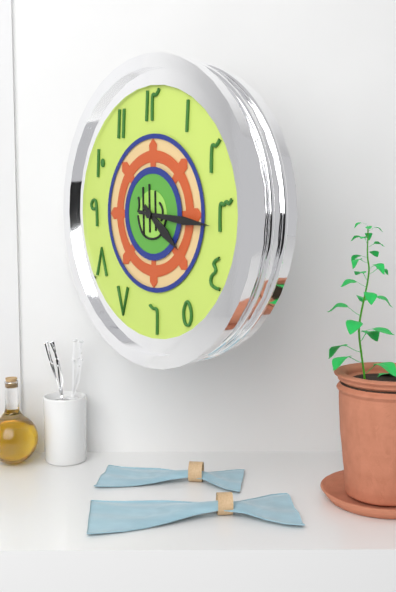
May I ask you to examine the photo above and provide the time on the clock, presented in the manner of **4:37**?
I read **4:16**
